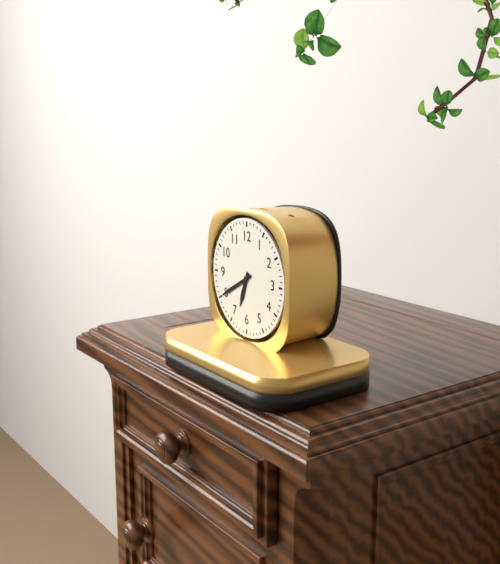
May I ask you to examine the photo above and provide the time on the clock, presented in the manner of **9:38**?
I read **6:40**
